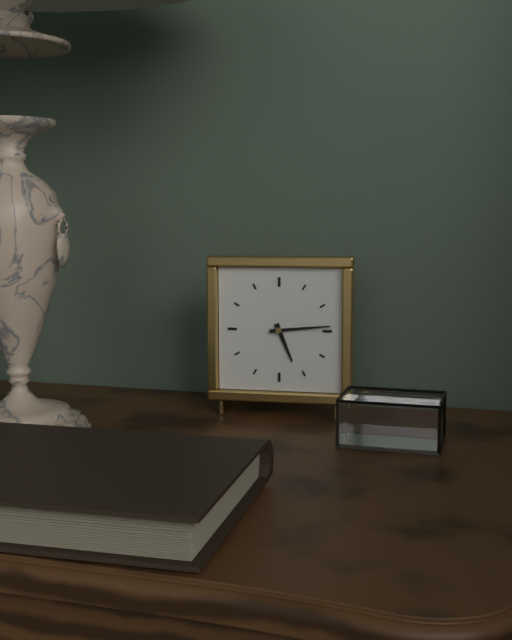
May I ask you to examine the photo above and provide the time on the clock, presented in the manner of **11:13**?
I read **5:14**
